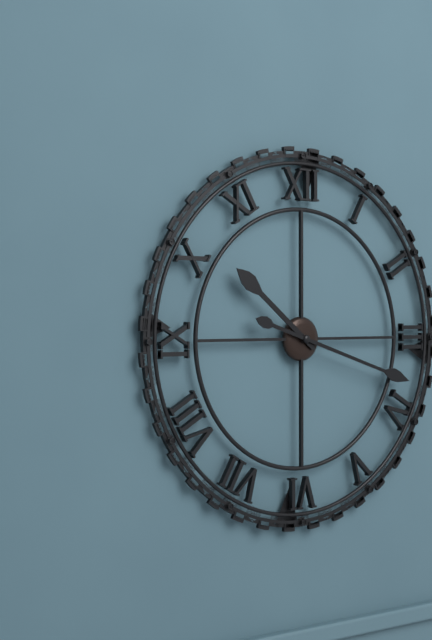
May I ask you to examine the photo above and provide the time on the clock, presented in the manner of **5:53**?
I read **10:18**
